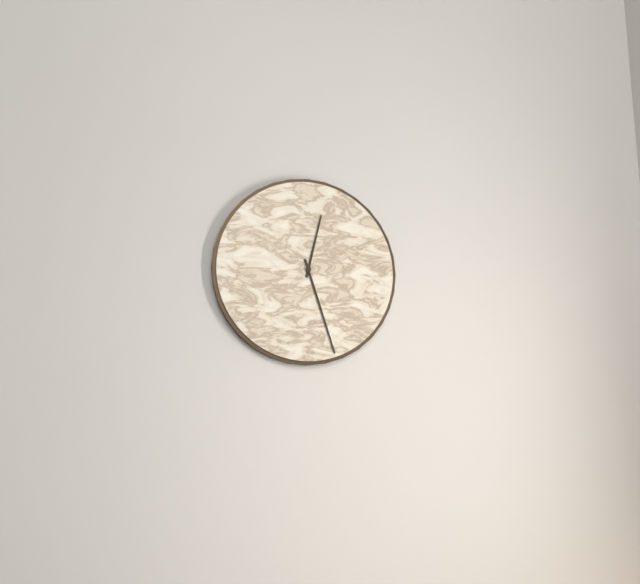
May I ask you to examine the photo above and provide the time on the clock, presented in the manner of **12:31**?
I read **12:27**
